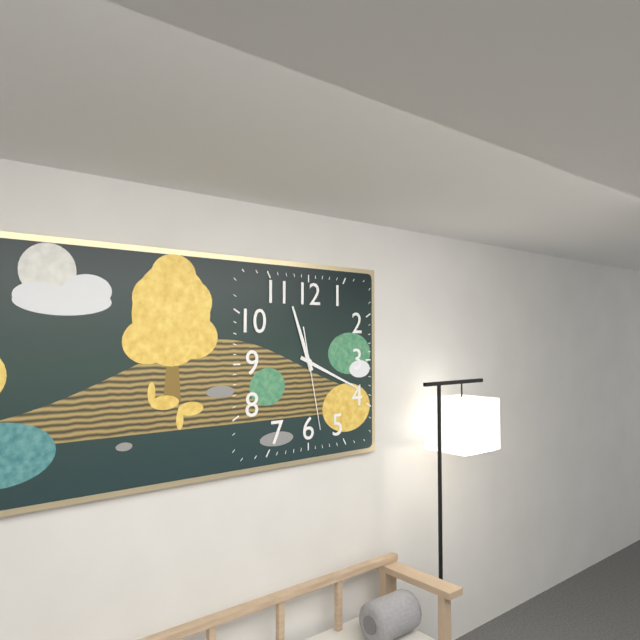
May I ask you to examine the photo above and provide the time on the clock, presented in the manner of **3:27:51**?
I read **11:19:28**
